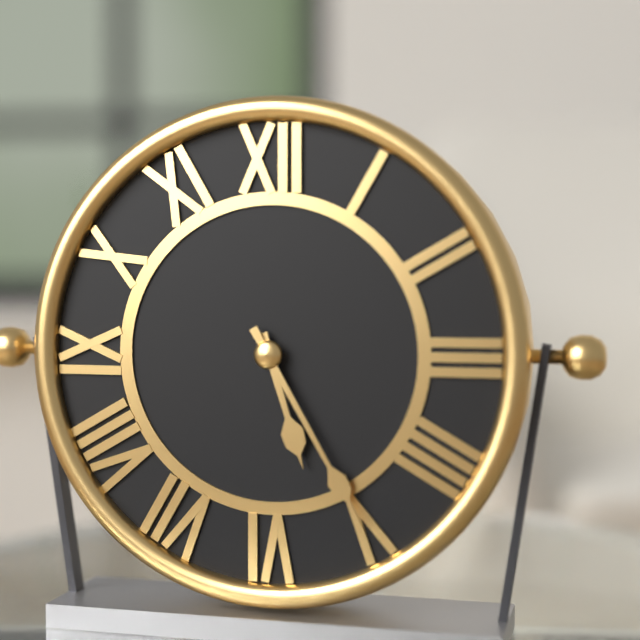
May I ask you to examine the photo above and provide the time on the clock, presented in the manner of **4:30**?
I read **5:25**
